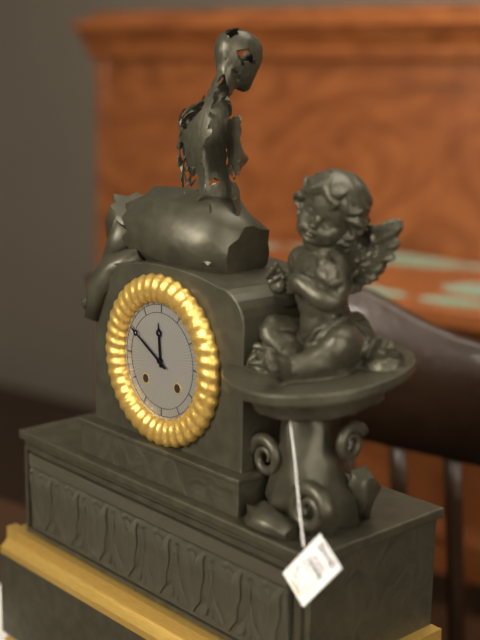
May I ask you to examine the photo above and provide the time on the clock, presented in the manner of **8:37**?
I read **11:50**
